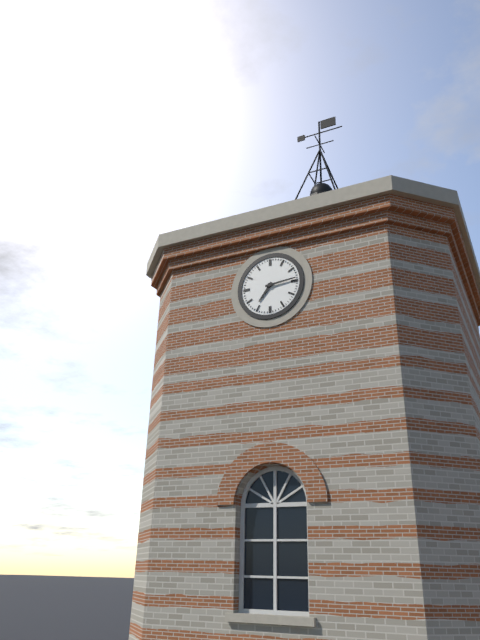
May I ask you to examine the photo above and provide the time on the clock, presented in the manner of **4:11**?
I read **7:14**
